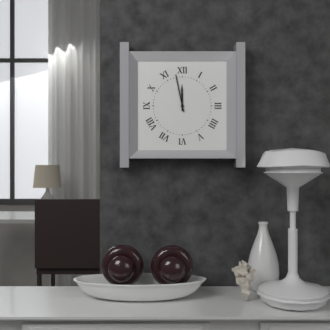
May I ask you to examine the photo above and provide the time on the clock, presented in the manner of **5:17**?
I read **11:58**
